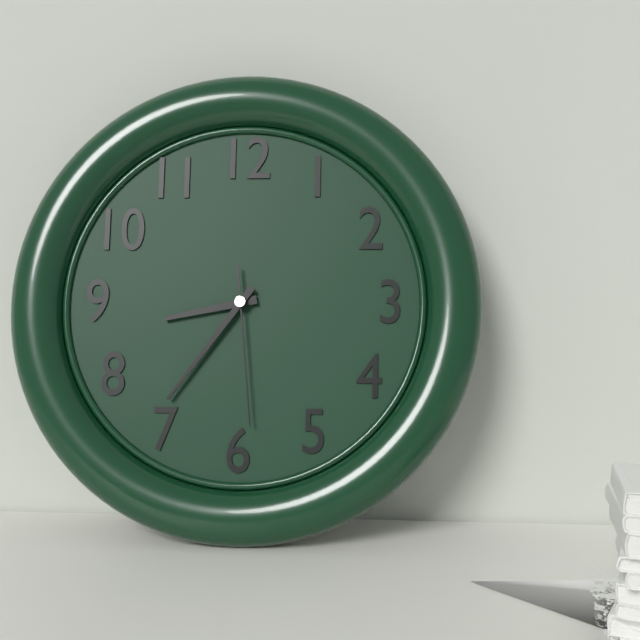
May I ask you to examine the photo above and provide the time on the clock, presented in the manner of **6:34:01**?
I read **8:36:29**
